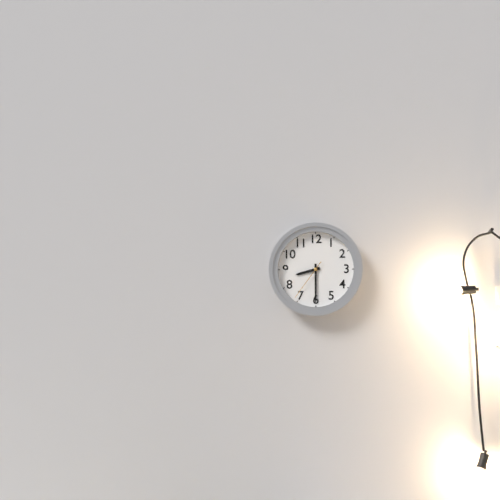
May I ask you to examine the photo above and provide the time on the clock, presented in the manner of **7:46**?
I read **8:30**
